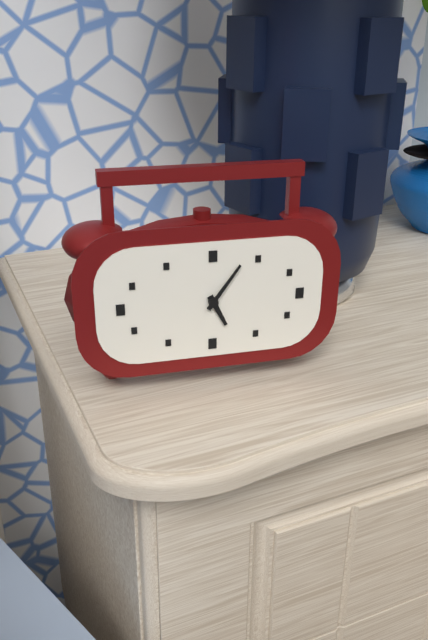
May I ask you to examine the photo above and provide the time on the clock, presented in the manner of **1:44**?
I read **5:06**
